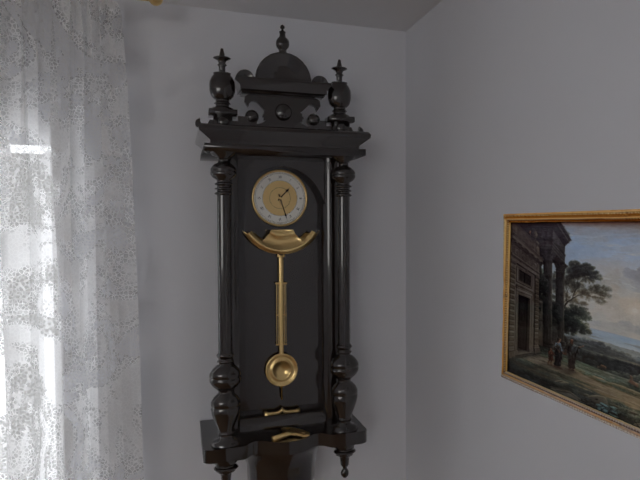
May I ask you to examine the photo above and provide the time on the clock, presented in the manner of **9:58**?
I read **1:27**
